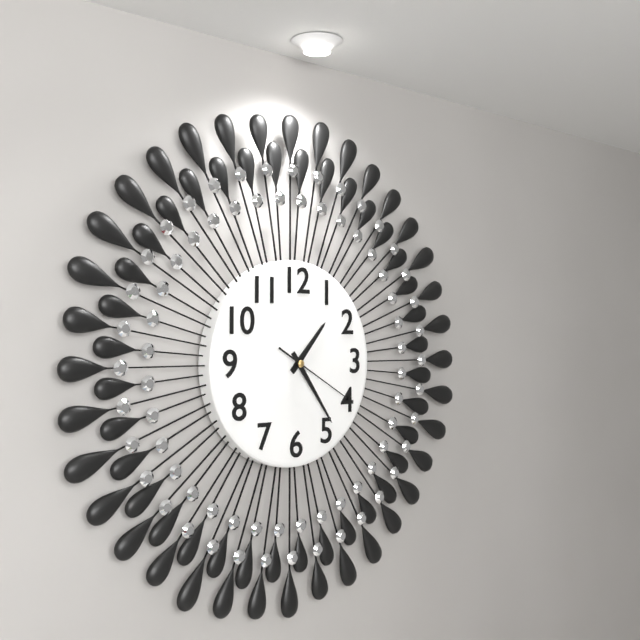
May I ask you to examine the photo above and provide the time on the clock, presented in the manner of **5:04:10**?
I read **1:24:20**
